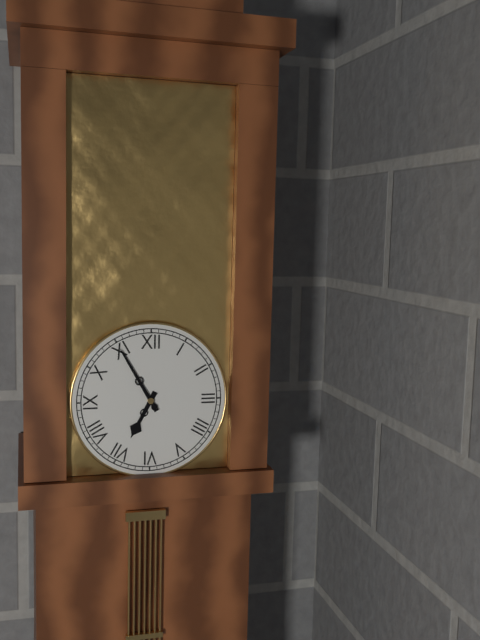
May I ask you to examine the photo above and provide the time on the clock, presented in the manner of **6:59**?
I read **6:55**
